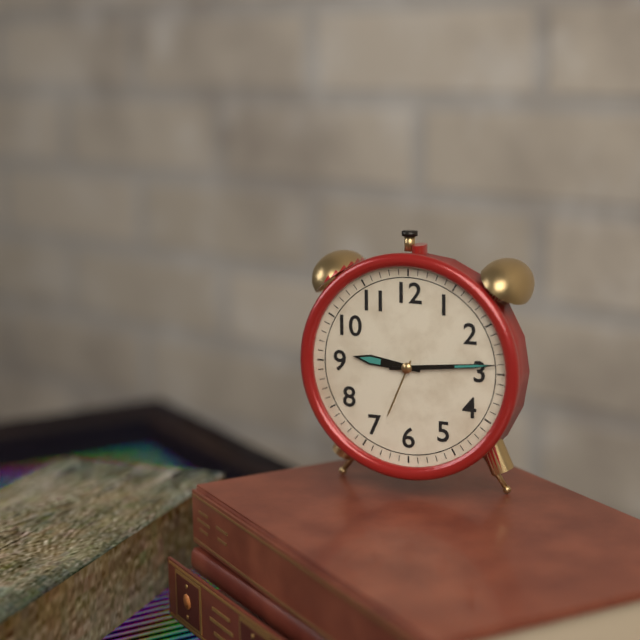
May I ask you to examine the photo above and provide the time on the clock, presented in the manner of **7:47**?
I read **9:14**
